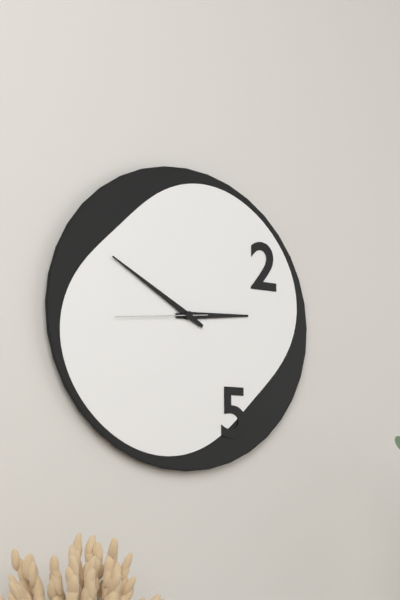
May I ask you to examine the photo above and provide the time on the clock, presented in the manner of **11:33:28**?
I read **2:50:44**
